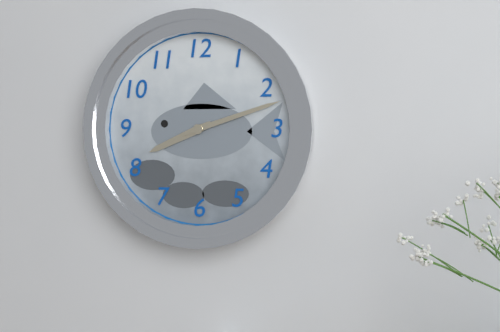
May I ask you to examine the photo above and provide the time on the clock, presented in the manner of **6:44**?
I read **8:12**
